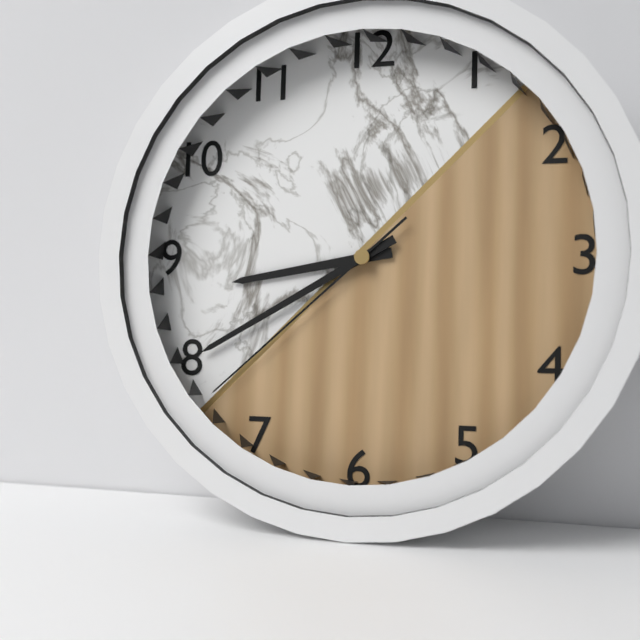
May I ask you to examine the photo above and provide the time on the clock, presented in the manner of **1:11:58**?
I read **8:40:38**
